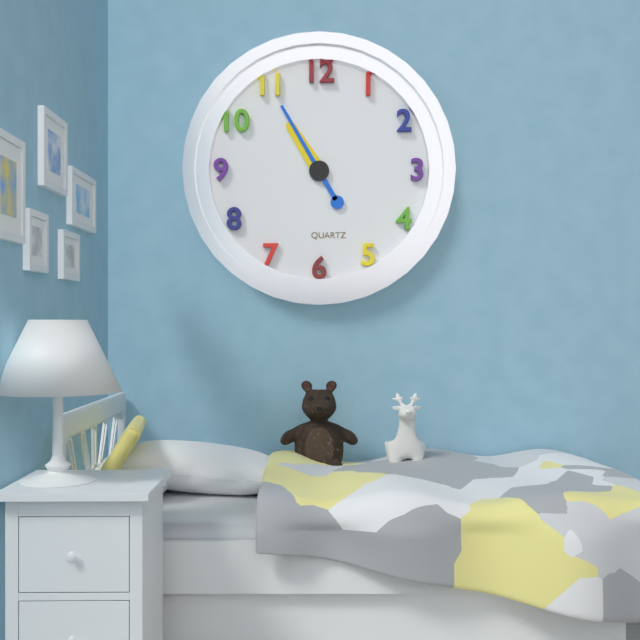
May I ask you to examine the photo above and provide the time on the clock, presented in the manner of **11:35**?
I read **10:55**
